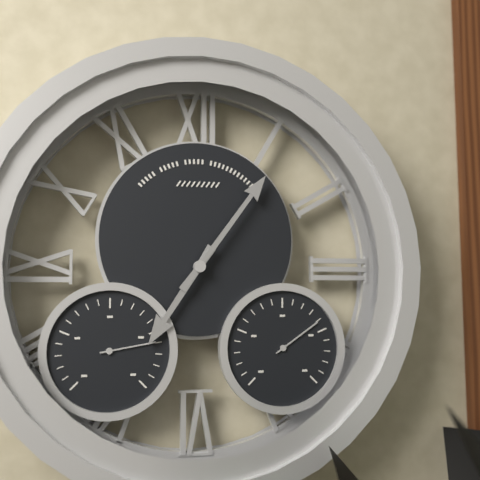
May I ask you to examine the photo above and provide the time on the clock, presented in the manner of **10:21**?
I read **7:06**
